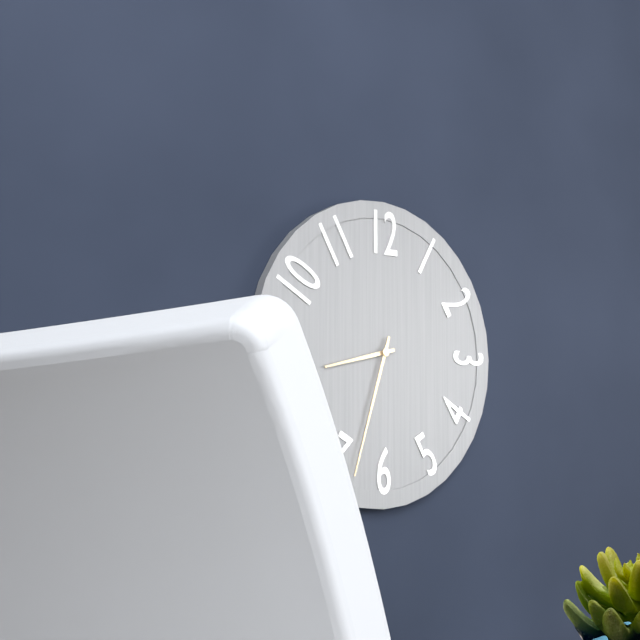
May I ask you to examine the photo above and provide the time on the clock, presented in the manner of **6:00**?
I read **8:33**
